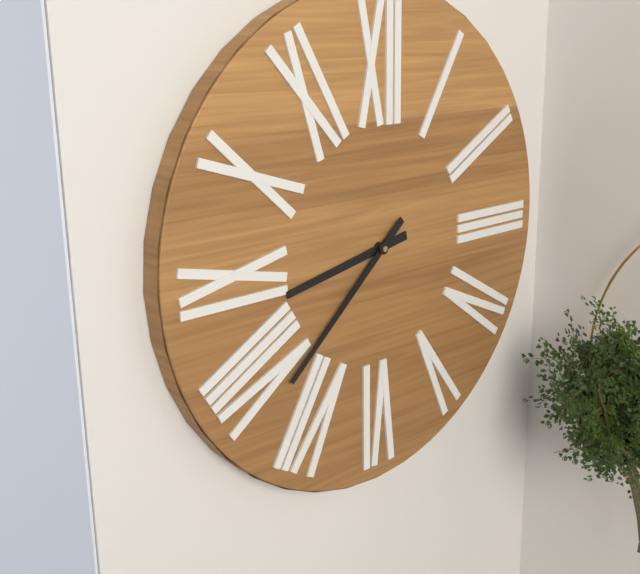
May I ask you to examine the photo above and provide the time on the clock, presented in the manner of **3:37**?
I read **8:38**
